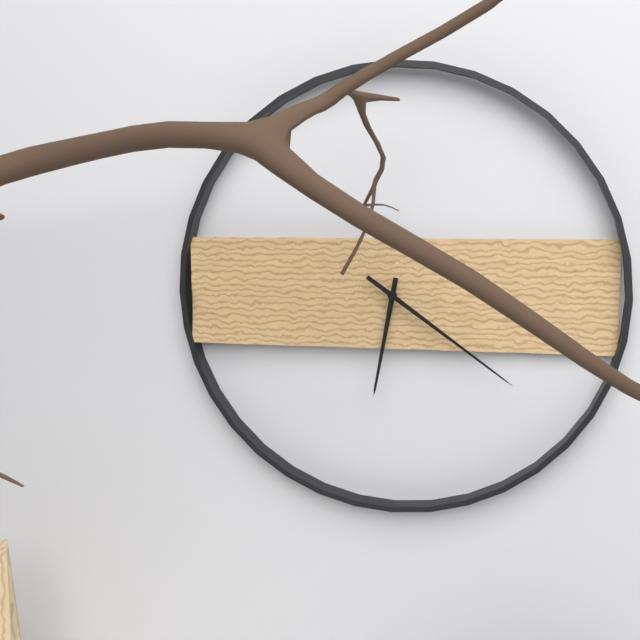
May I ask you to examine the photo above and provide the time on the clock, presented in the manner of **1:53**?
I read **6:21**
